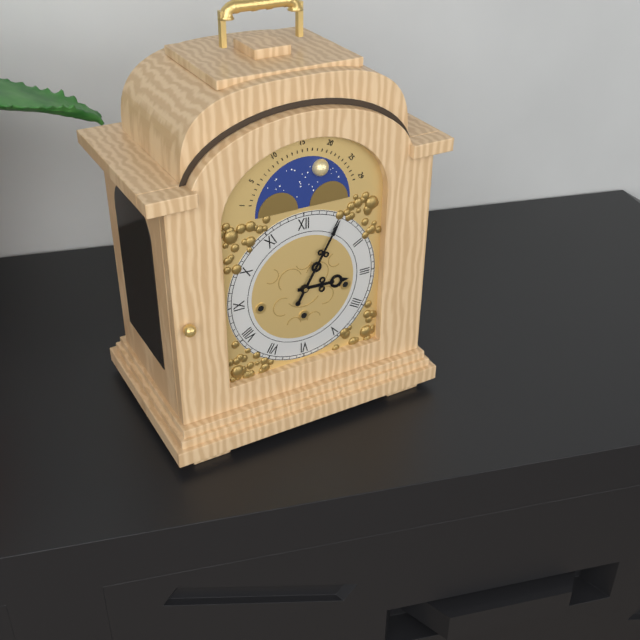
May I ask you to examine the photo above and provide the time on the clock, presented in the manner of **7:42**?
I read **3:05**
